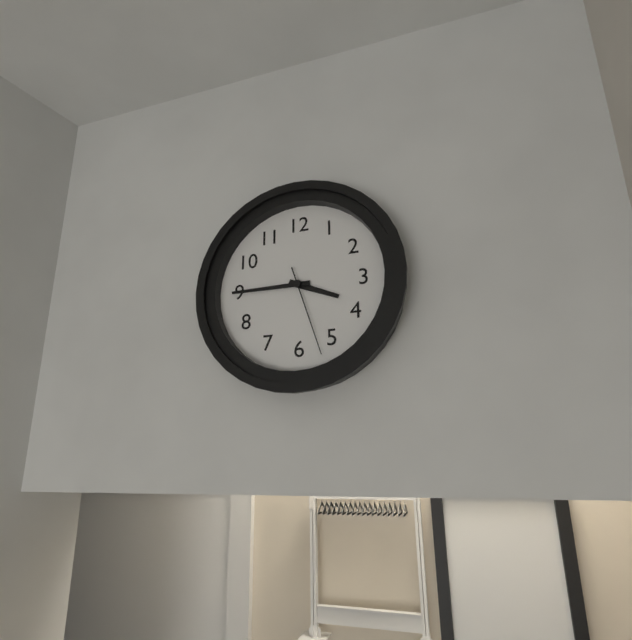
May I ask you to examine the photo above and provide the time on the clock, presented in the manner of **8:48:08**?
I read **3:45:27**
